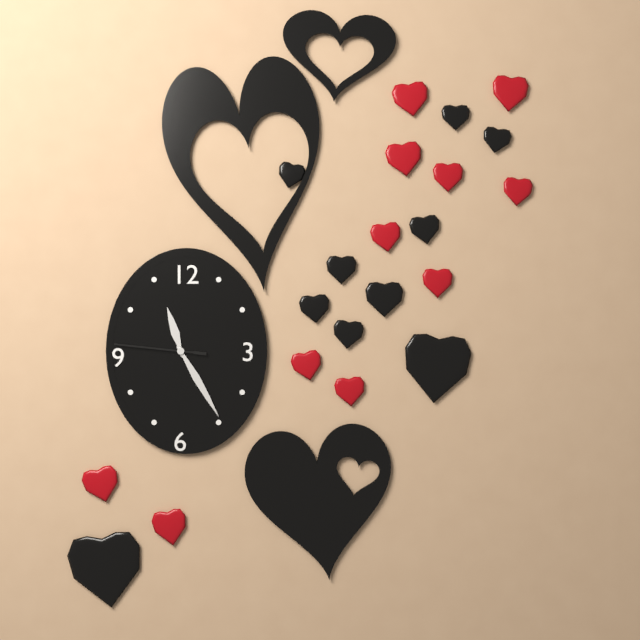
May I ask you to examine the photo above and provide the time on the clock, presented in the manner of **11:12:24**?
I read **11:25:46**
